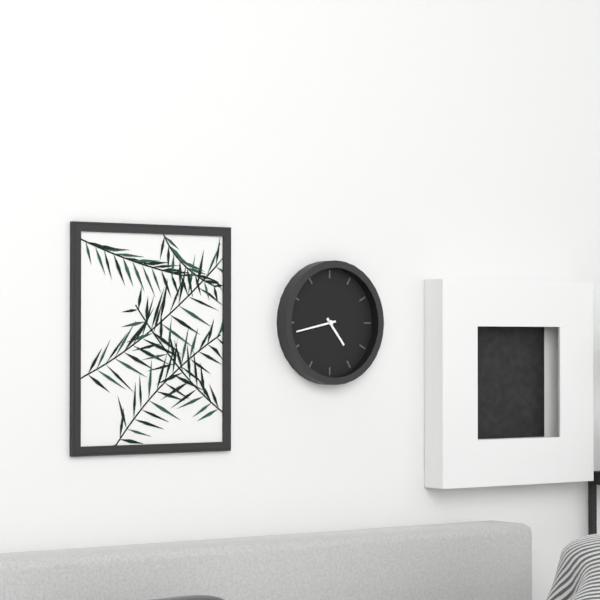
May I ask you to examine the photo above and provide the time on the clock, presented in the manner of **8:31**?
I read **4:43**
